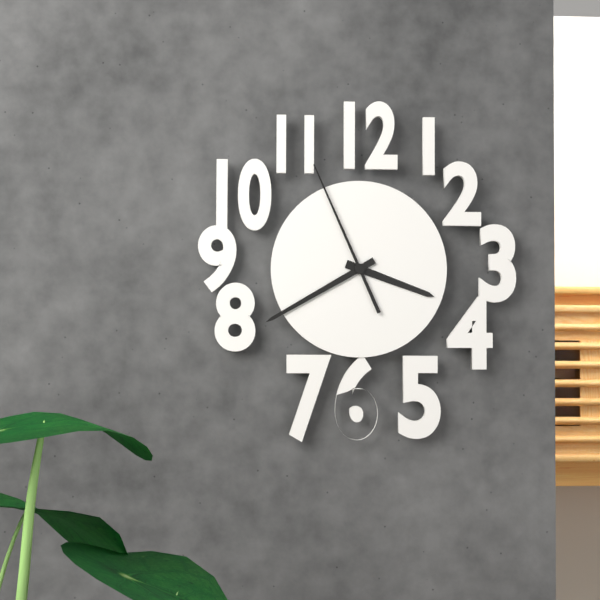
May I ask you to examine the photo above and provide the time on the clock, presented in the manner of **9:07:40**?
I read **3:40:56**
